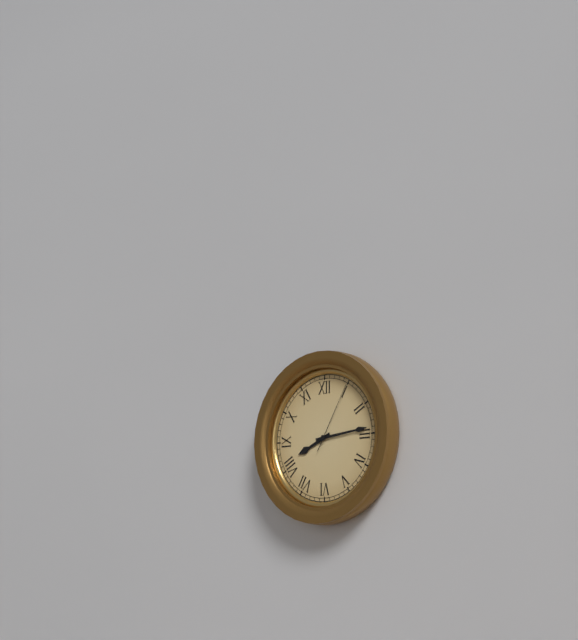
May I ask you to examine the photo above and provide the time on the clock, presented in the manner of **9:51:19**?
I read **8:14:05**
